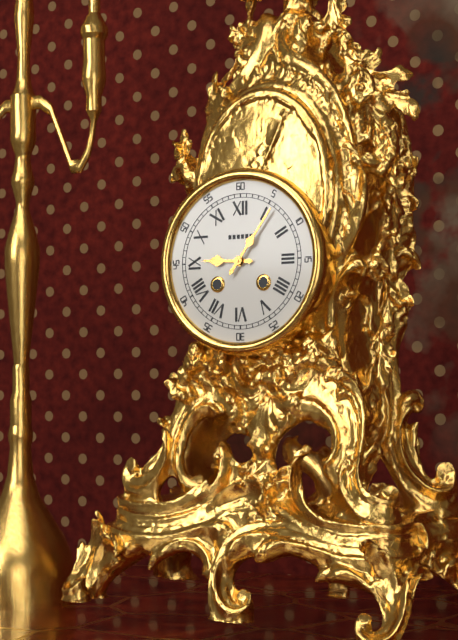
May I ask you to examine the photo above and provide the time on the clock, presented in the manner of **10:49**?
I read **9:06**
